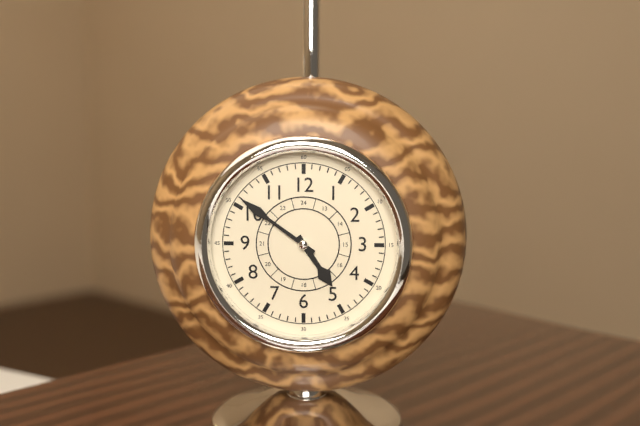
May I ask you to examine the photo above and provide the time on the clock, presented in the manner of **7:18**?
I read **4:51**
